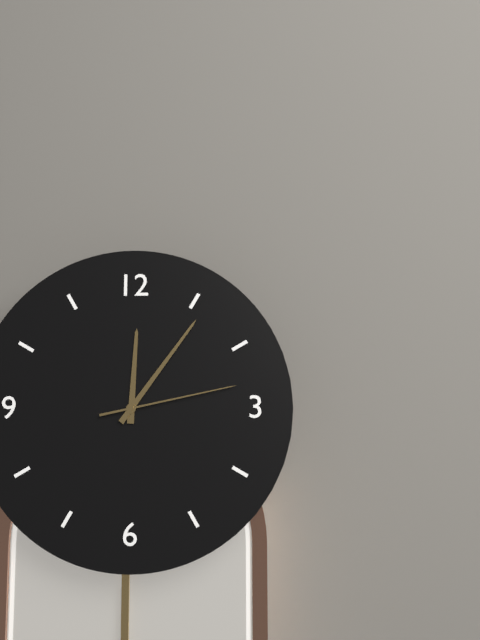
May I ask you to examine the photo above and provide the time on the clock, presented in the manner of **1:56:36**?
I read **12:06:13**
